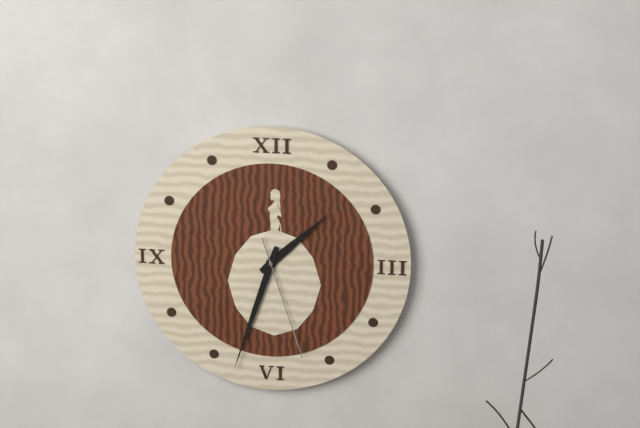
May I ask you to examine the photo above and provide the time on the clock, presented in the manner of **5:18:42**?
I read **1:33:27**
